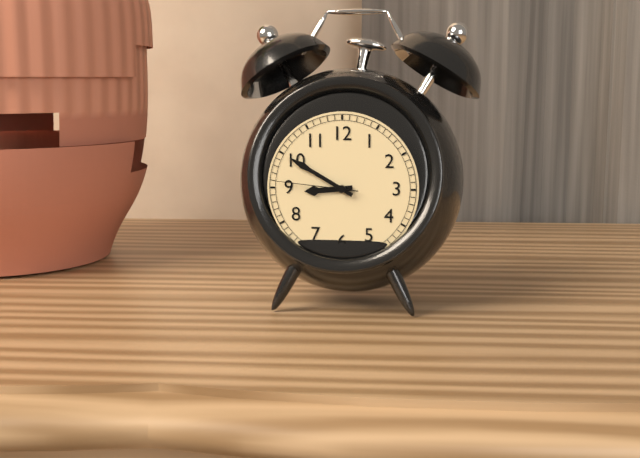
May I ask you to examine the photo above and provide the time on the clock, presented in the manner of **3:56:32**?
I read **8:50:46**
